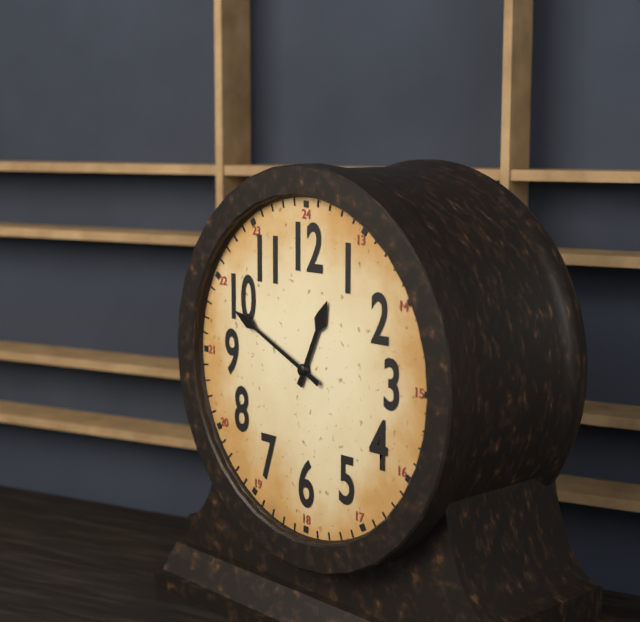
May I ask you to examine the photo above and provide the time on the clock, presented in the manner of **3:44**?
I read **12:49**
